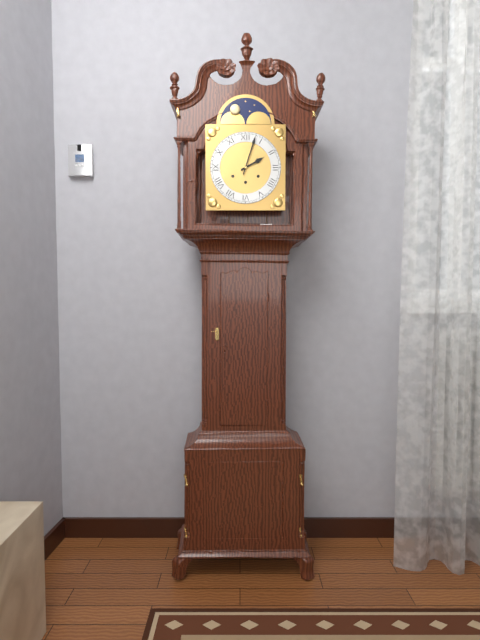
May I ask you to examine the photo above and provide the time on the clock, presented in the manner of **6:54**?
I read **2:03**
